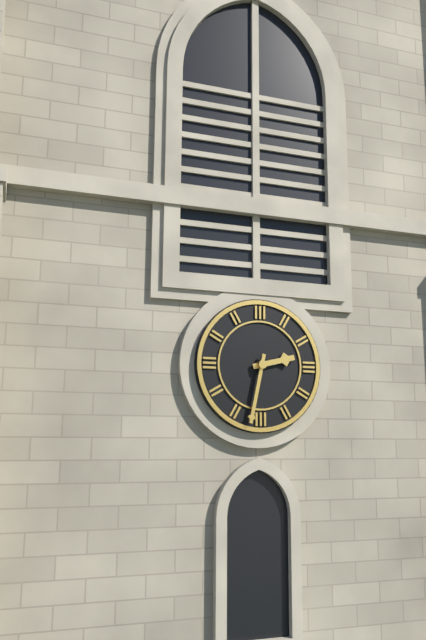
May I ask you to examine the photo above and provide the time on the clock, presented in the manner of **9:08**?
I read **2:32**
